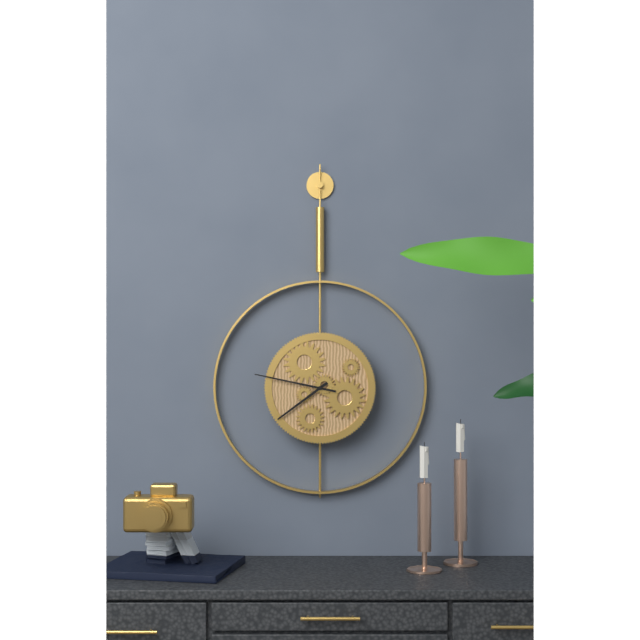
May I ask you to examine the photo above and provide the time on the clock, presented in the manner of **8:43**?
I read **7:47**
